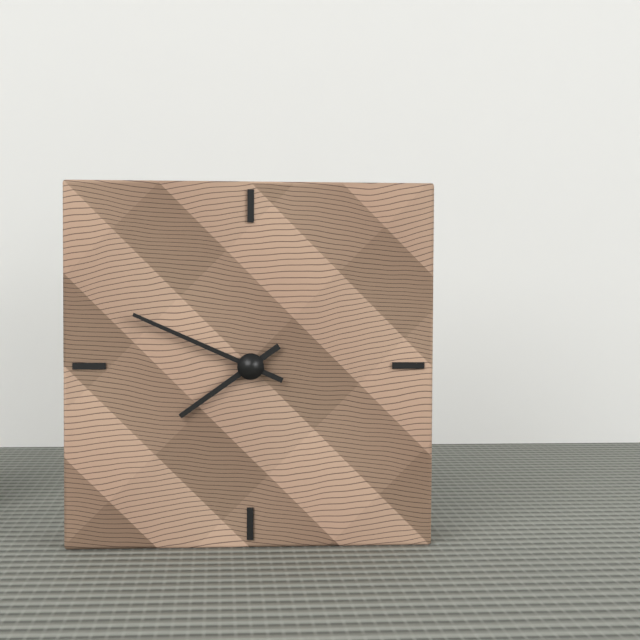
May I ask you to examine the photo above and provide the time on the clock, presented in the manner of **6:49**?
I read **7:49**
